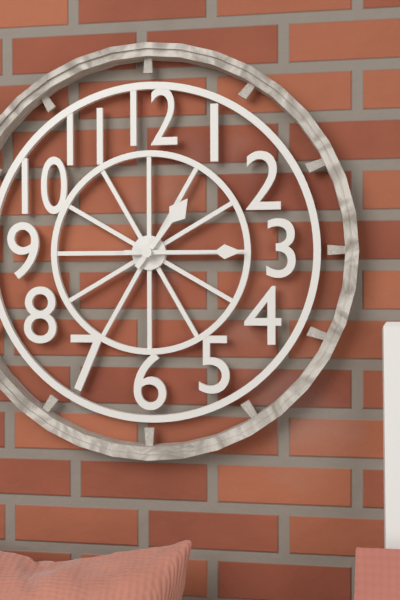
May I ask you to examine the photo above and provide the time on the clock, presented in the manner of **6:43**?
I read **1:15**
